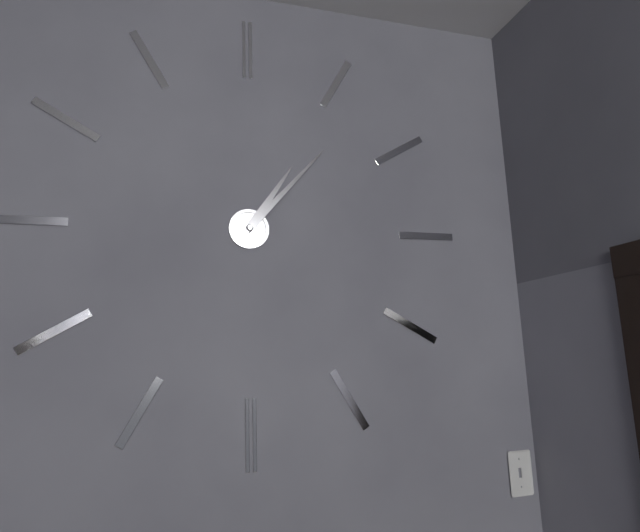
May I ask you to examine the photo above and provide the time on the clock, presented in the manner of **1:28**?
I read **1:07**
